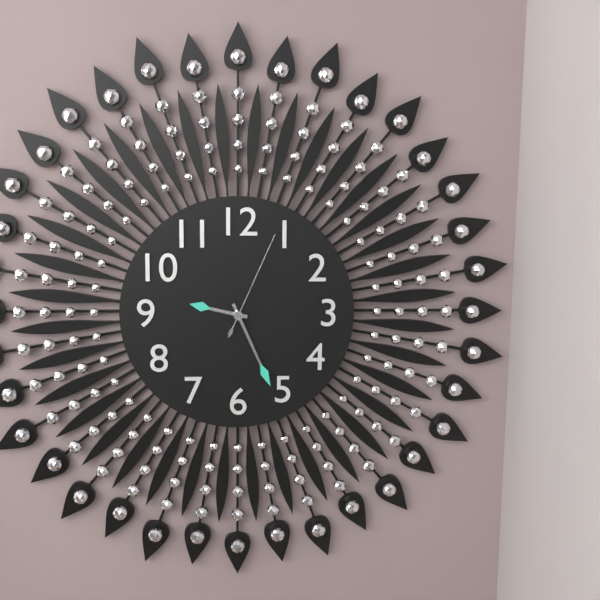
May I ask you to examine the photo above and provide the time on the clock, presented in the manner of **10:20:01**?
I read **9:26:04**
